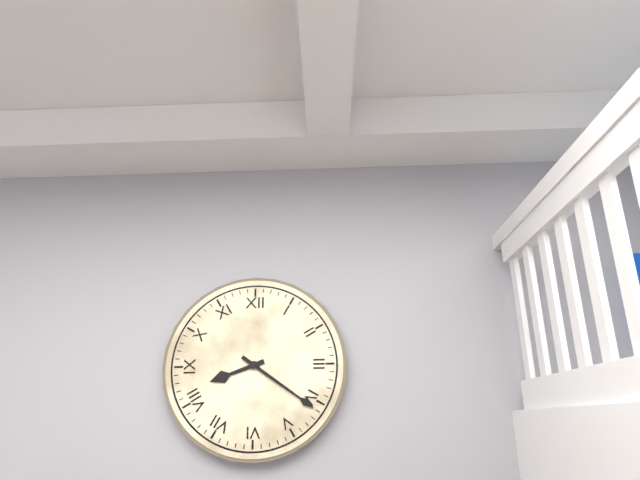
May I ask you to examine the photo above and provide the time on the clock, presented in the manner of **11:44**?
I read **8:21**
